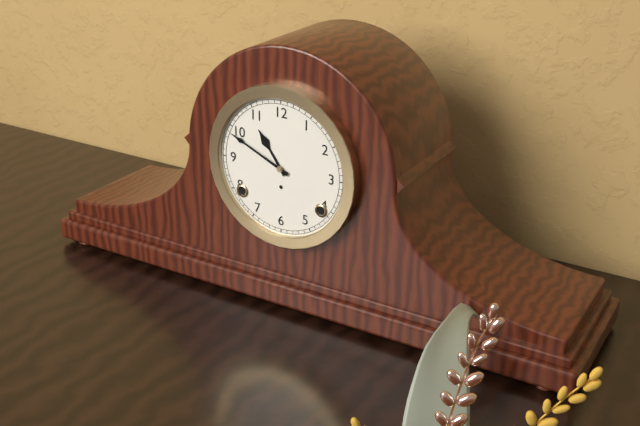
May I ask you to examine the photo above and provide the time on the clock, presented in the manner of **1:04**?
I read **10:49**
